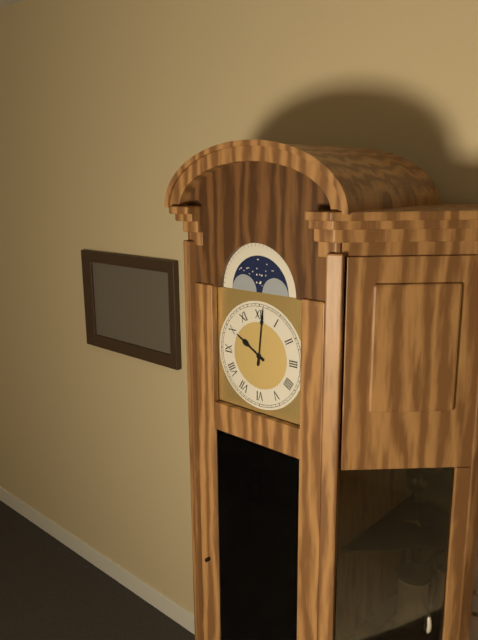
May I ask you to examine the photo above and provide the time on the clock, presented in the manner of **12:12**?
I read **10:01**
